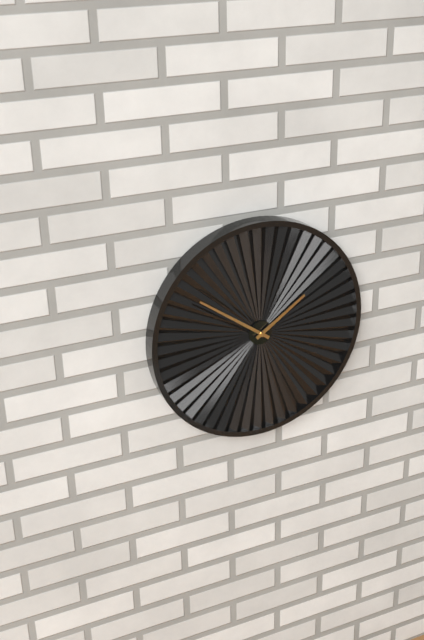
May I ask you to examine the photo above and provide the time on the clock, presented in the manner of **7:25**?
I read **1:51**
